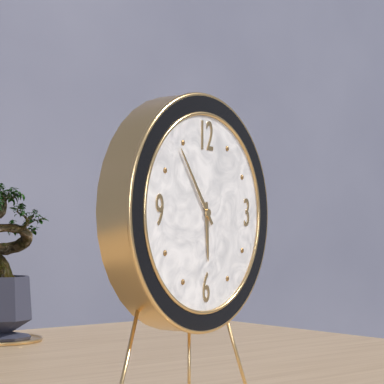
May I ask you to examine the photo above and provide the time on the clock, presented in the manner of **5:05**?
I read **5:54**
